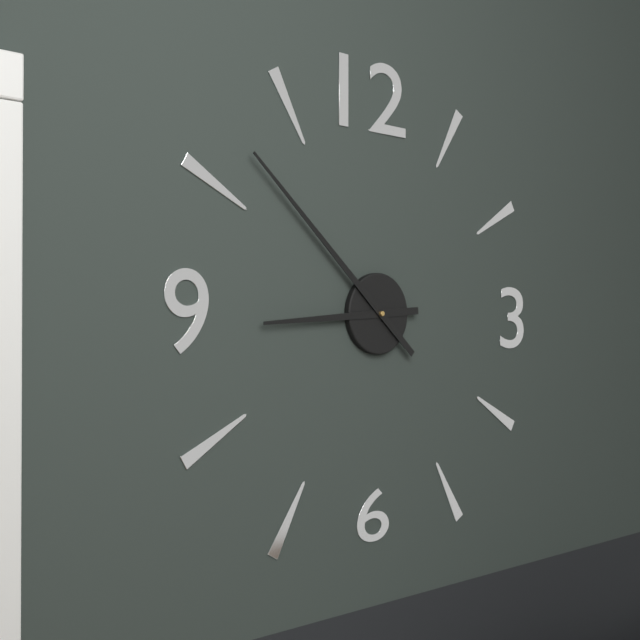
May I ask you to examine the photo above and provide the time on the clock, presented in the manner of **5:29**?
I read **8:52**
